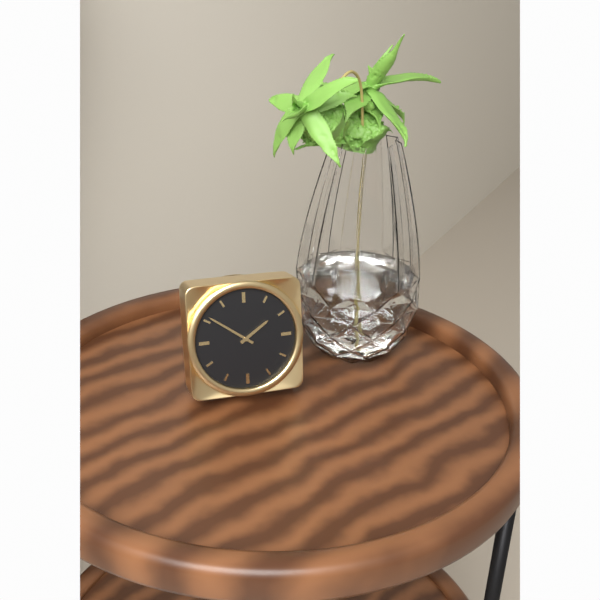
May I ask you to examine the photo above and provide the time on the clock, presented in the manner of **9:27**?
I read **1:51**
